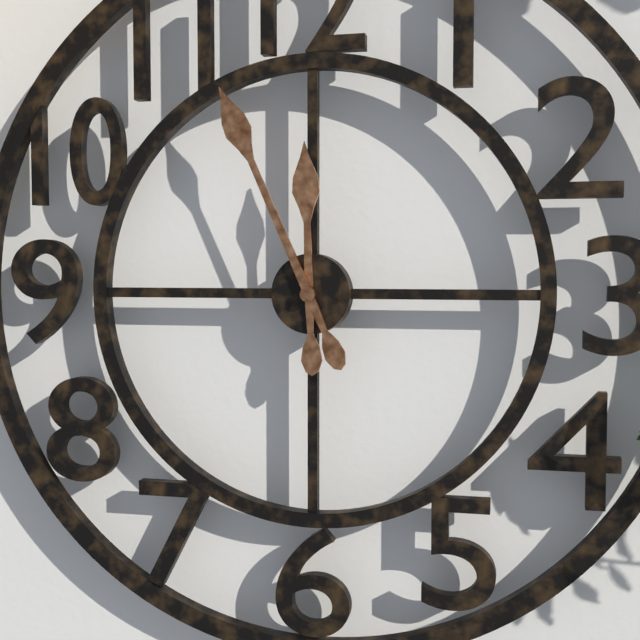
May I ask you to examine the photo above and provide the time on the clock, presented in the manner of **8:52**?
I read **11:56**
